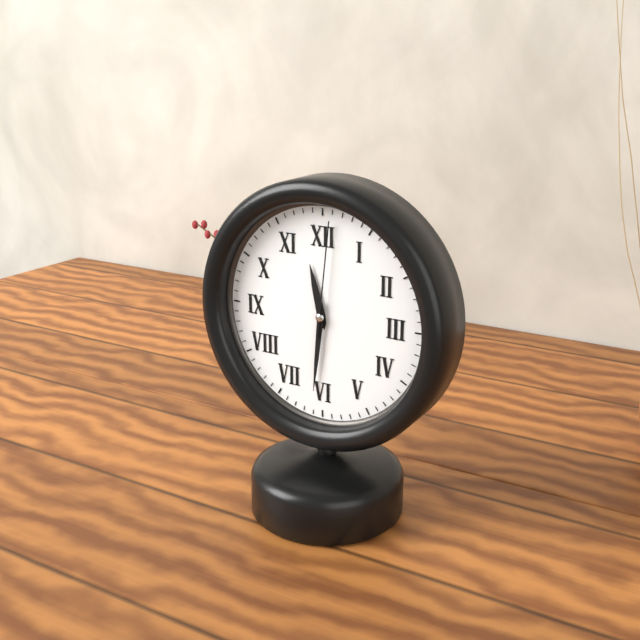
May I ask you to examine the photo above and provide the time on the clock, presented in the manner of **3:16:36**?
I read **11:31:01**
